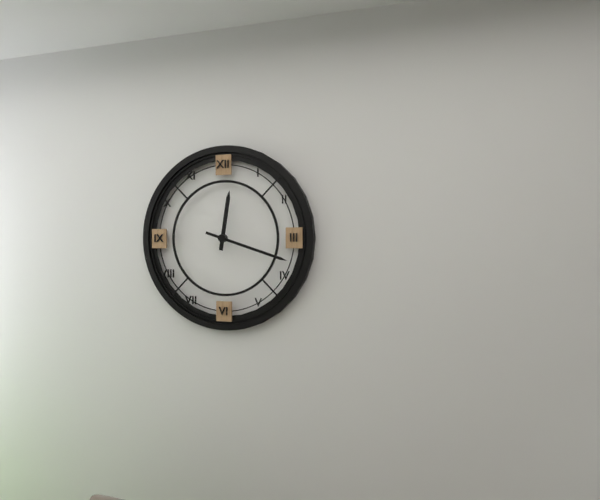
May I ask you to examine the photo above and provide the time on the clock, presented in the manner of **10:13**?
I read **12:18**
